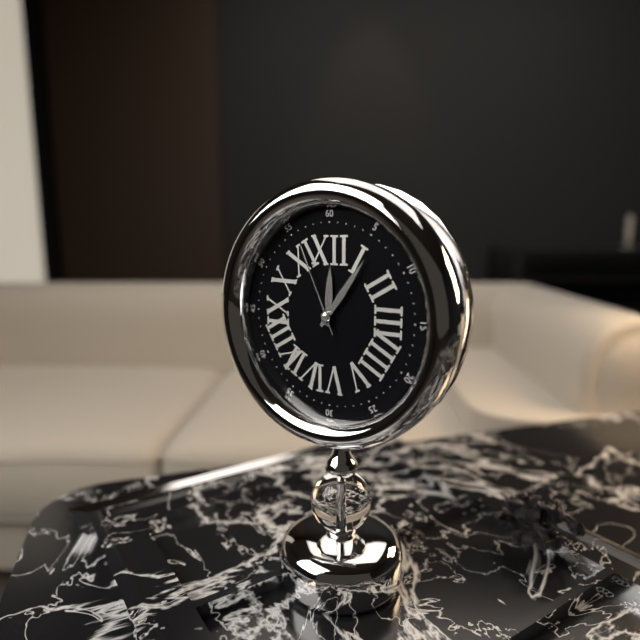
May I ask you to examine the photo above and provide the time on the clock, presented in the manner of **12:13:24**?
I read **12:06:56**
